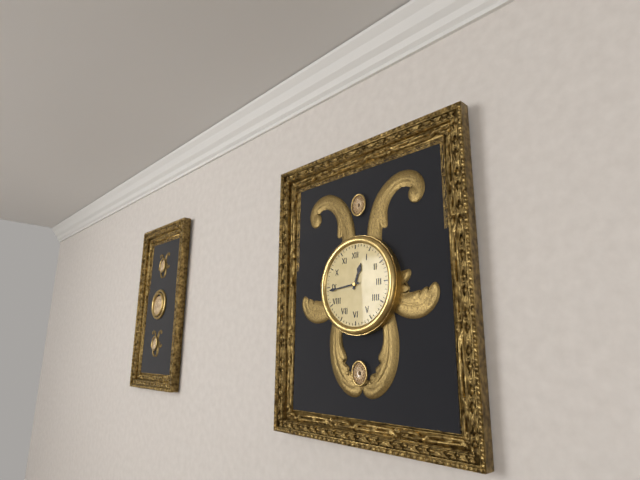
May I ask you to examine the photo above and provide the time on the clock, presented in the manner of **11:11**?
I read **12:44**
